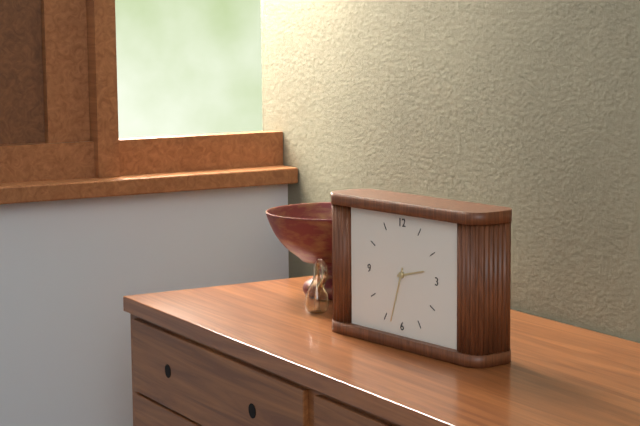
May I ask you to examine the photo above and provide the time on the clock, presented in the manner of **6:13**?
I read **2:33**
